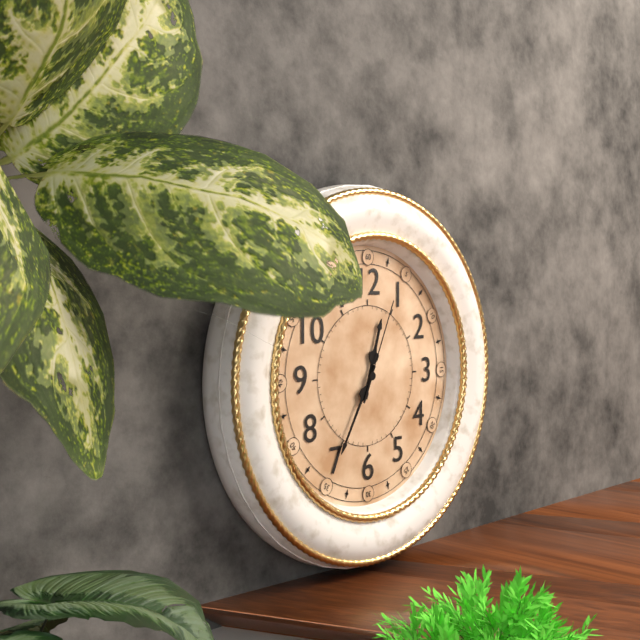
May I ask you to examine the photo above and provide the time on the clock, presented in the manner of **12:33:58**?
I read **12:35:04**
